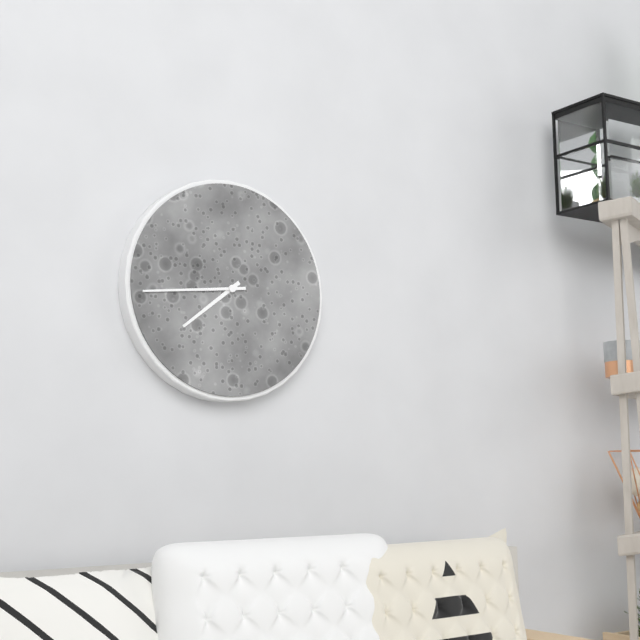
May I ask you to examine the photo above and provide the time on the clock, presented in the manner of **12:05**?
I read **7:44**
